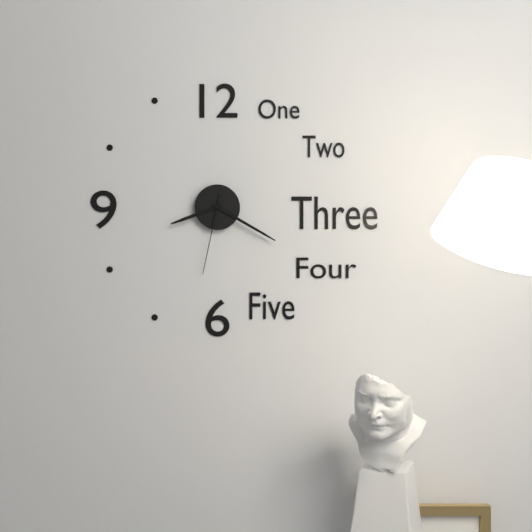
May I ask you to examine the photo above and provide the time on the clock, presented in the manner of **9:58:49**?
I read **8:20:32**
